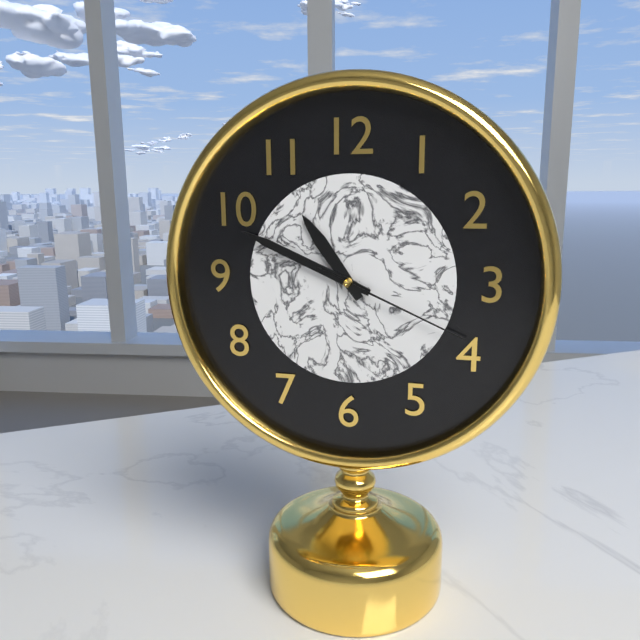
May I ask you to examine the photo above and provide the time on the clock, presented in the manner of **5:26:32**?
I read **10:49:19**
